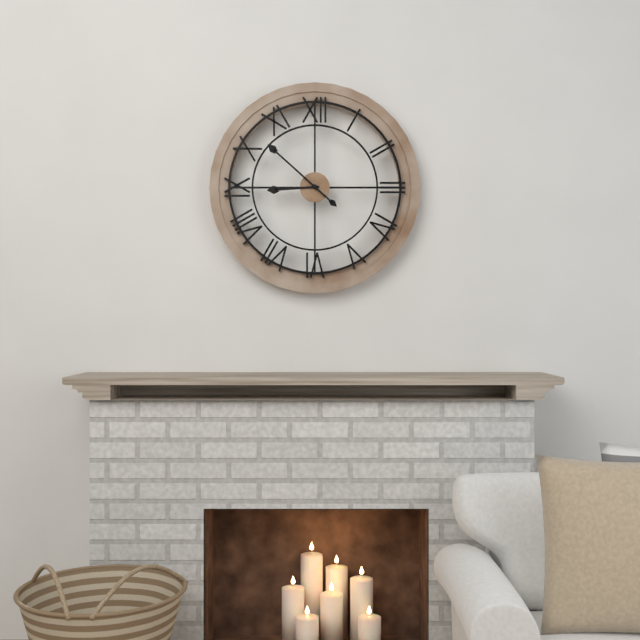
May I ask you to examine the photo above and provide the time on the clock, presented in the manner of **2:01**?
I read **8:52**
